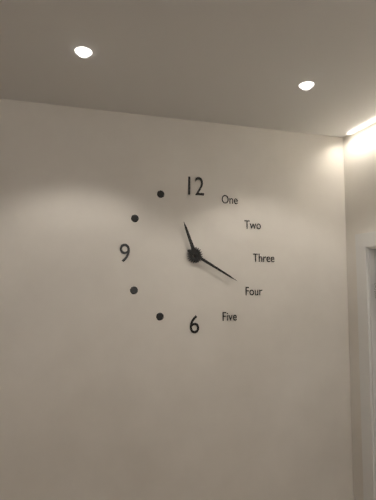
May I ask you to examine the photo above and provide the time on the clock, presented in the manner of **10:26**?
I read **11:20**
